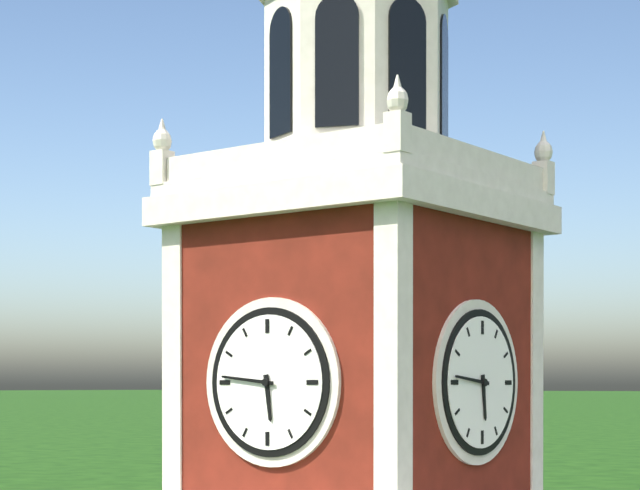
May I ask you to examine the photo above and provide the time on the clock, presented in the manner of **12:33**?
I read **5:46**
